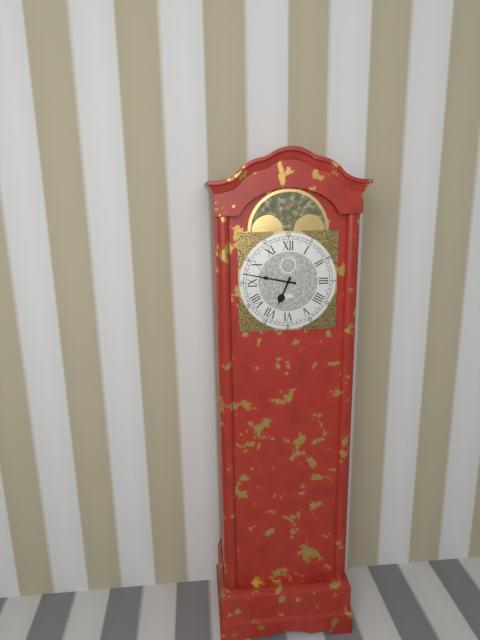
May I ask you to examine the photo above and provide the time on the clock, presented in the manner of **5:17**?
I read **6:47**
